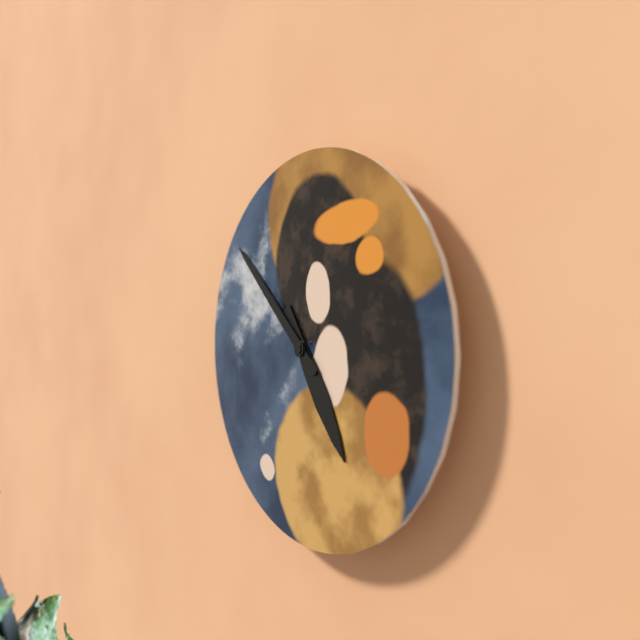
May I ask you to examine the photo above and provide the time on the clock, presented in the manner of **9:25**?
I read **4:52**
